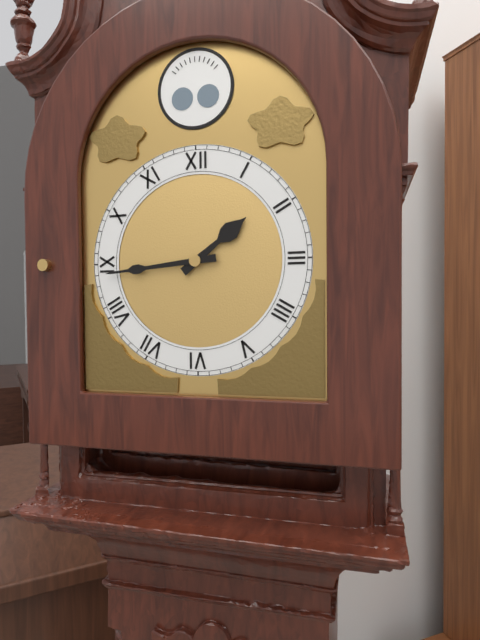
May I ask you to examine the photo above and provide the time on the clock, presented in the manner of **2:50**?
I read **1:44**
